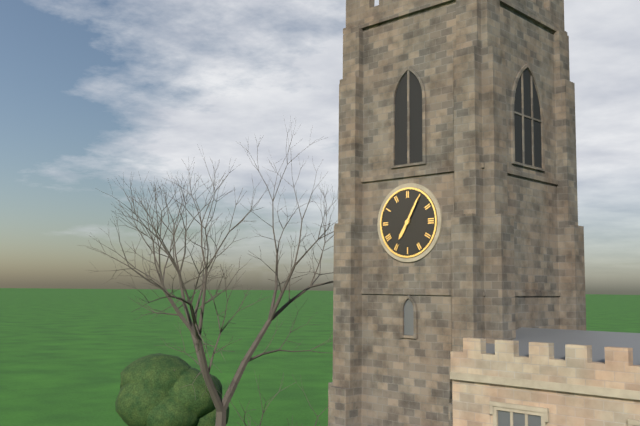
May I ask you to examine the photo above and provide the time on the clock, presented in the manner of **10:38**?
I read **7:05**
